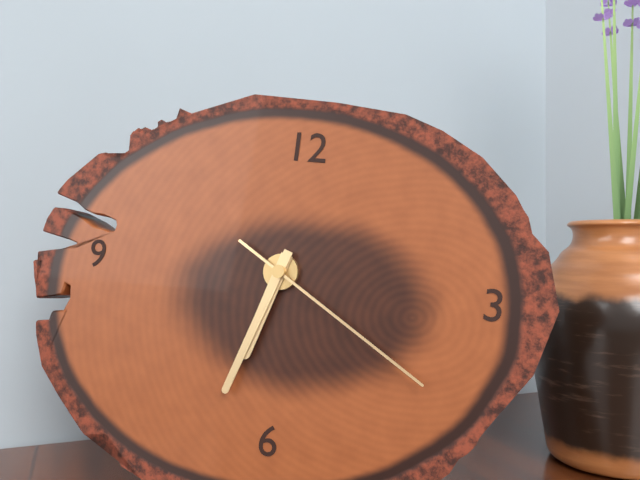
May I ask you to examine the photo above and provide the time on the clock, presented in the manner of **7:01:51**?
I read **6:33:20**
